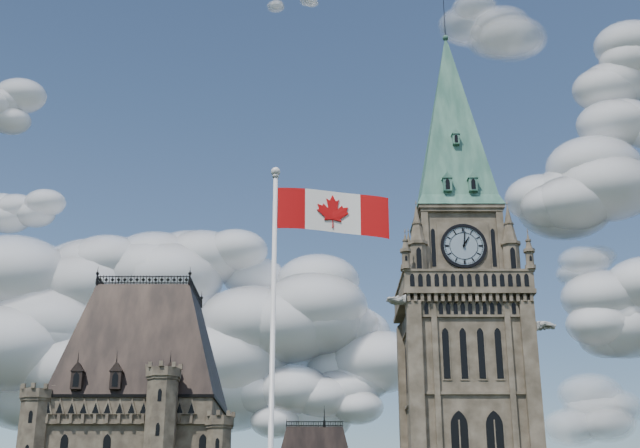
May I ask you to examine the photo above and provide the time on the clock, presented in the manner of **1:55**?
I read **1:01**
